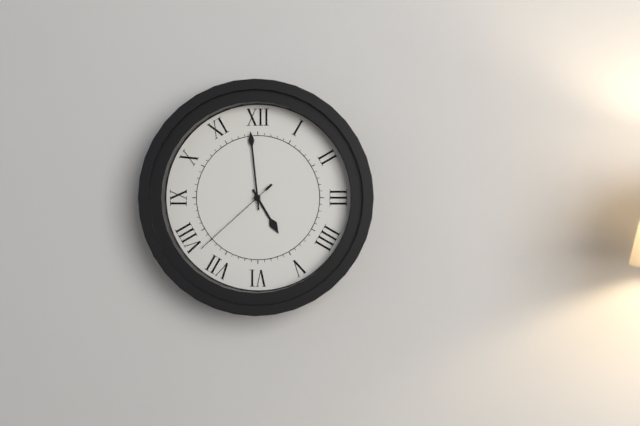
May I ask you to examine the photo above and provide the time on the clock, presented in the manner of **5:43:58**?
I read **4:59:38**
